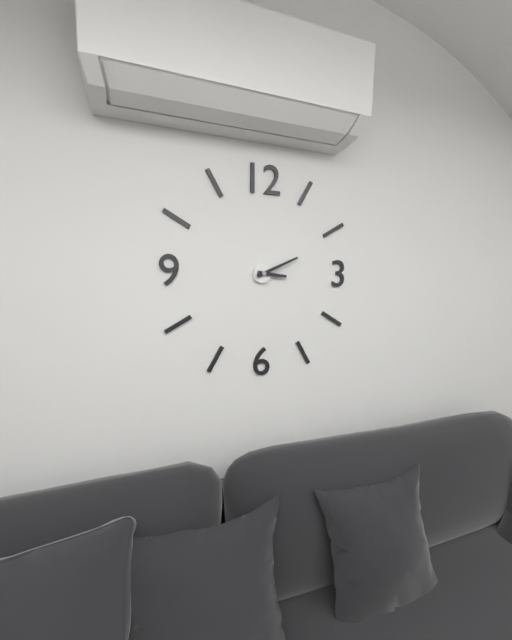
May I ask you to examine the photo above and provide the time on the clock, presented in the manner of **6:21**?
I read **3:11**
